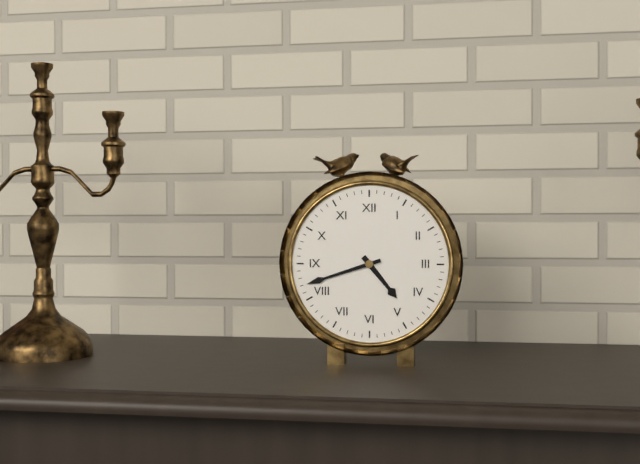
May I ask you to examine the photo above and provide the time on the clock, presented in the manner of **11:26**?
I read **4:42**
